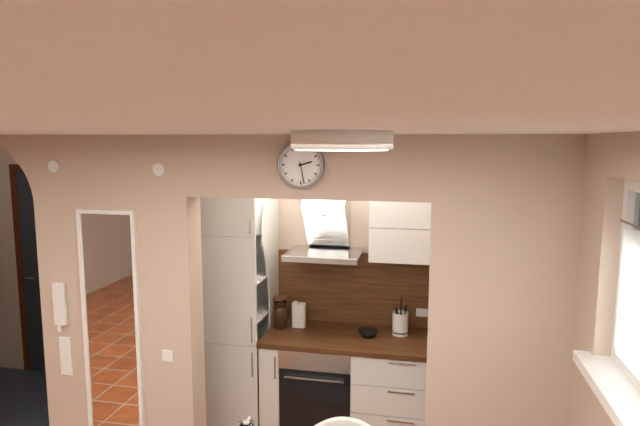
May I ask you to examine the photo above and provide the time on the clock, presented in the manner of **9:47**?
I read **2:28**
